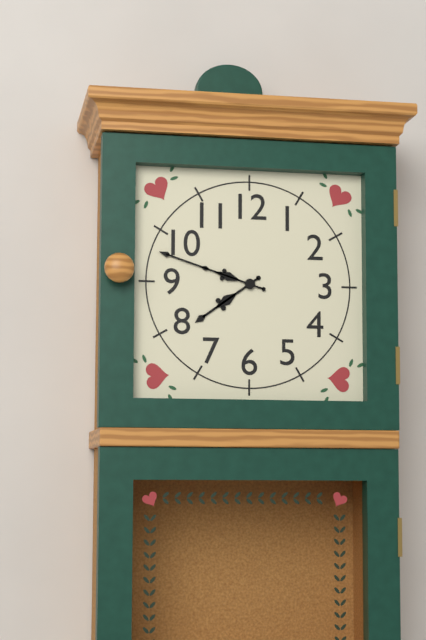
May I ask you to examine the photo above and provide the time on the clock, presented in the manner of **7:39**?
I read **7:48**
